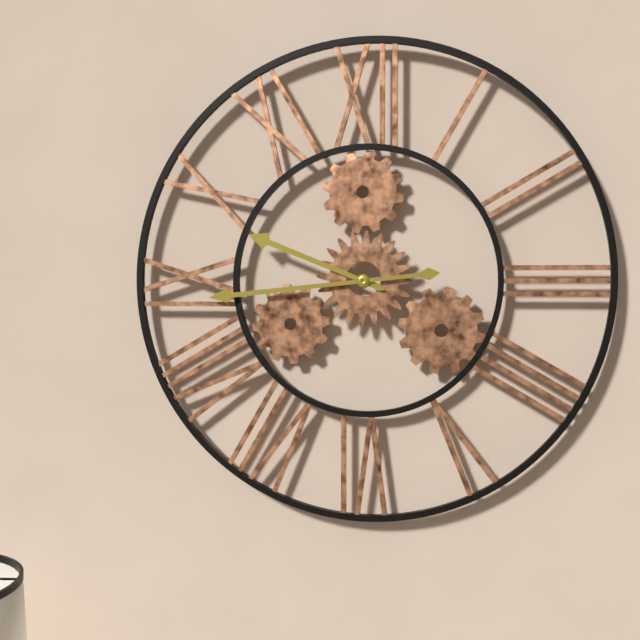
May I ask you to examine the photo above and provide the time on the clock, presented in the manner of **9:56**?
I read **9:44**
